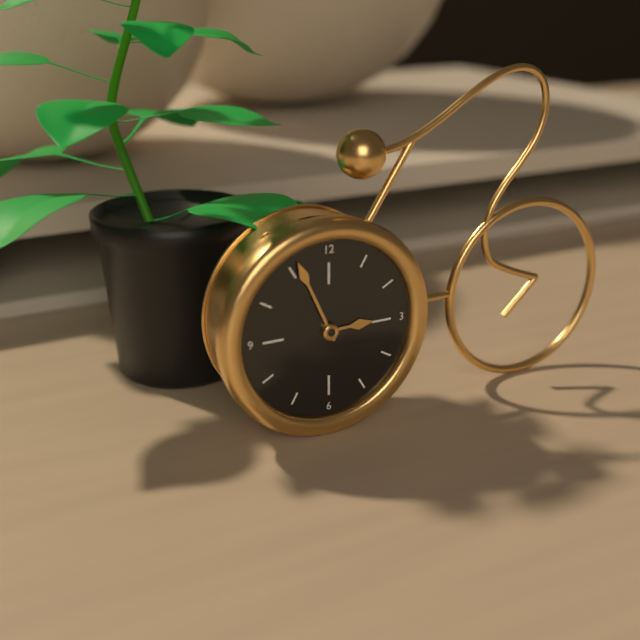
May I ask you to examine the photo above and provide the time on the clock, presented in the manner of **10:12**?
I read **2:56**
